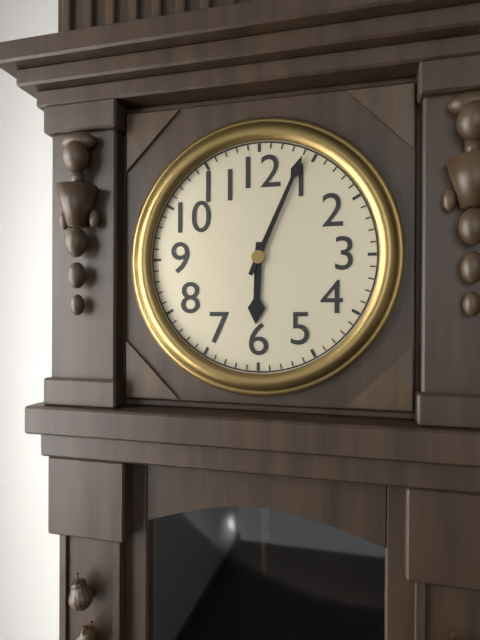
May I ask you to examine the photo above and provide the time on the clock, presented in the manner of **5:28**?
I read **6:04**
